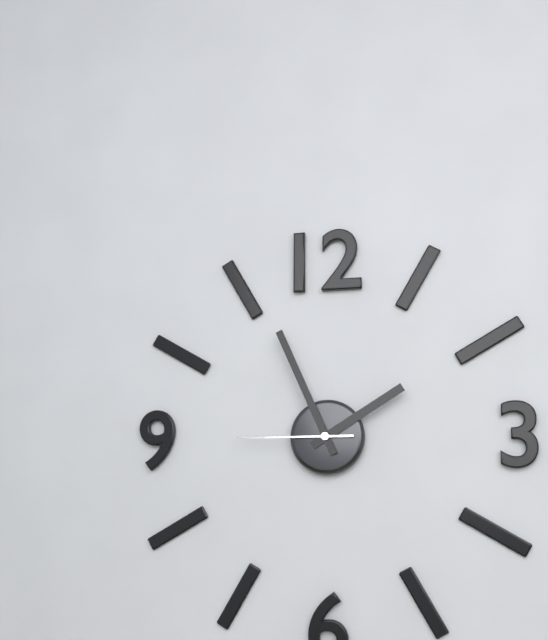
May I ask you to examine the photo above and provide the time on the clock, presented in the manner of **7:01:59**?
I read **1:56:45**
